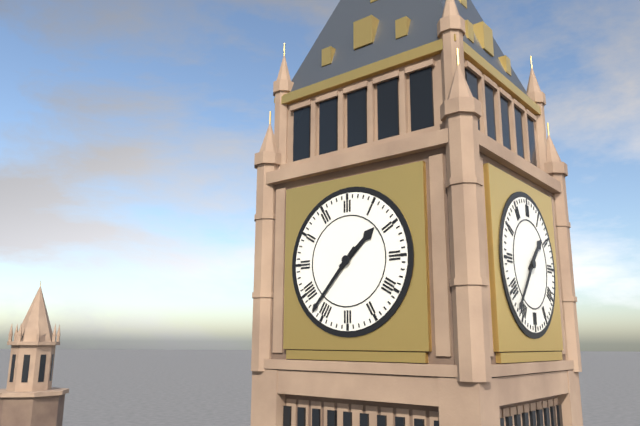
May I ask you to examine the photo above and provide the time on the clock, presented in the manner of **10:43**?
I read **1:37**
